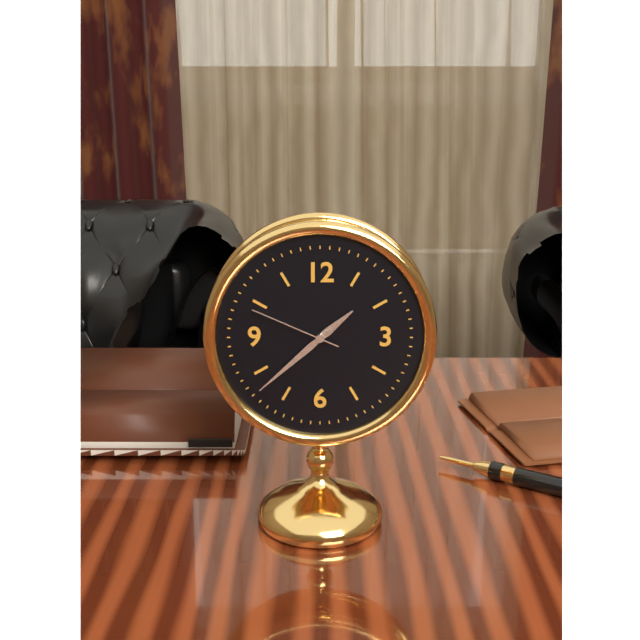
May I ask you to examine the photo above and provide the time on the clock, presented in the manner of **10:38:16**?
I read **1:38:49**
